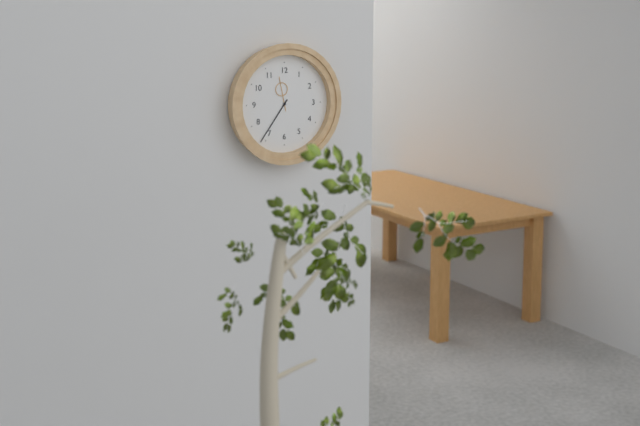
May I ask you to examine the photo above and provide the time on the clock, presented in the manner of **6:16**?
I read **11:36**
